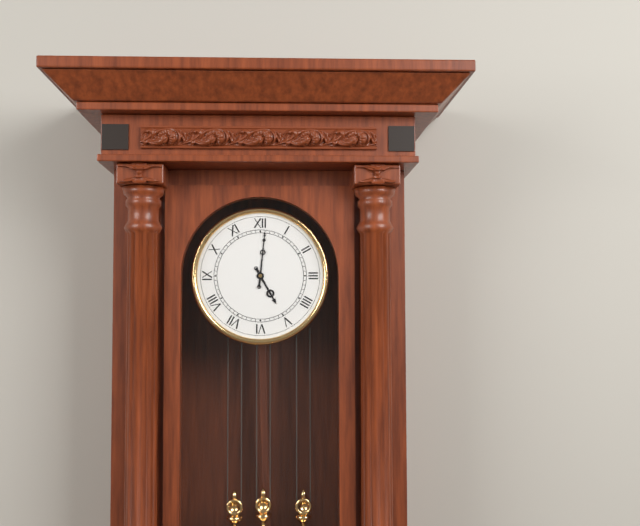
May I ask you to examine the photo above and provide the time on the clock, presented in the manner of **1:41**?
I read **5:01**
